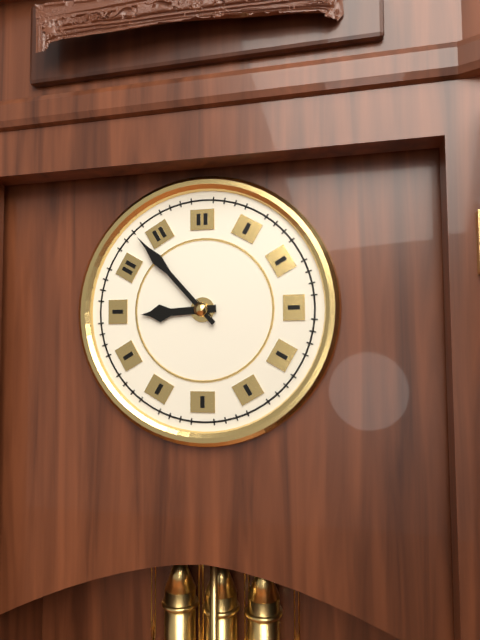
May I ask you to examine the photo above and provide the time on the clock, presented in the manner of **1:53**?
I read **8:53**
